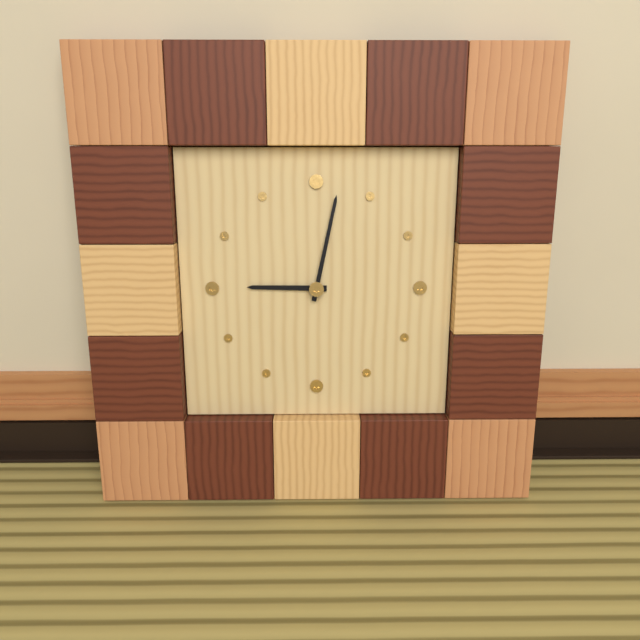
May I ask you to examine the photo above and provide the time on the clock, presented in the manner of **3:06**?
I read **9:02**
